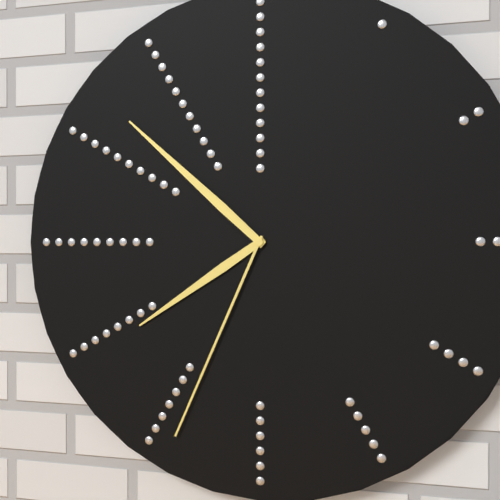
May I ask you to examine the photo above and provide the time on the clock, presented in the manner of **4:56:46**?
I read **7:52:34**
